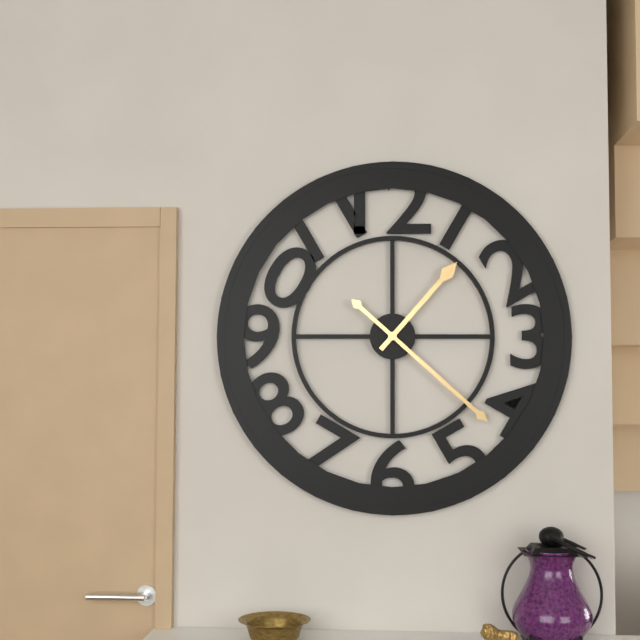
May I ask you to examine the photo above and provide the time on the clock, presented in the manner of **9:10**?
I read **1:22**
